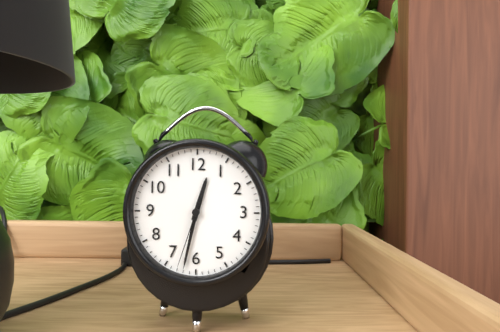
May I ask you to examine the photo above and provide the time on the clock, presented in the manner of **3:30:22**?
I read **12:32:33**
